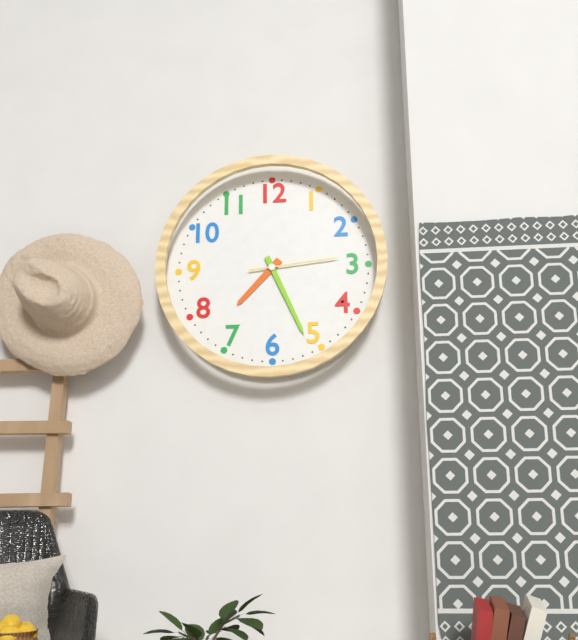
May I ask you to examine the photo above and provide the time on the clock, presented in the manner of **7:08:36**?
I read **7:26:14**
